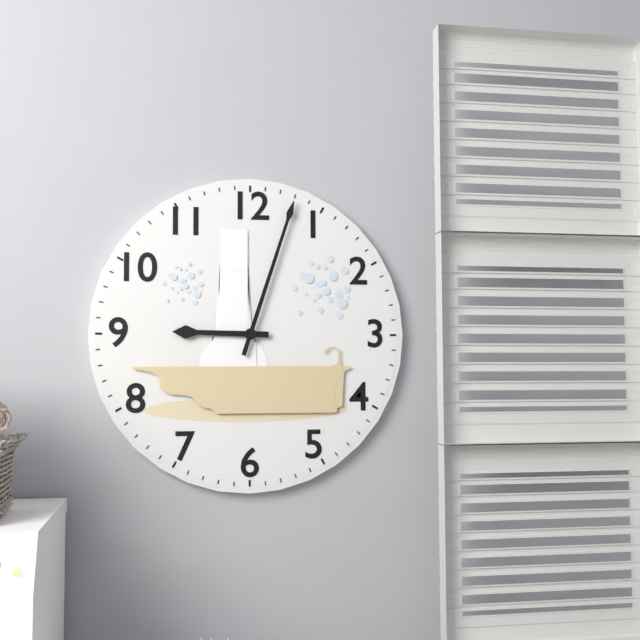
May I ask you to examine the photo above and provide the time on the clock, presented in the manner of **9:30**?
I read **9:03**
